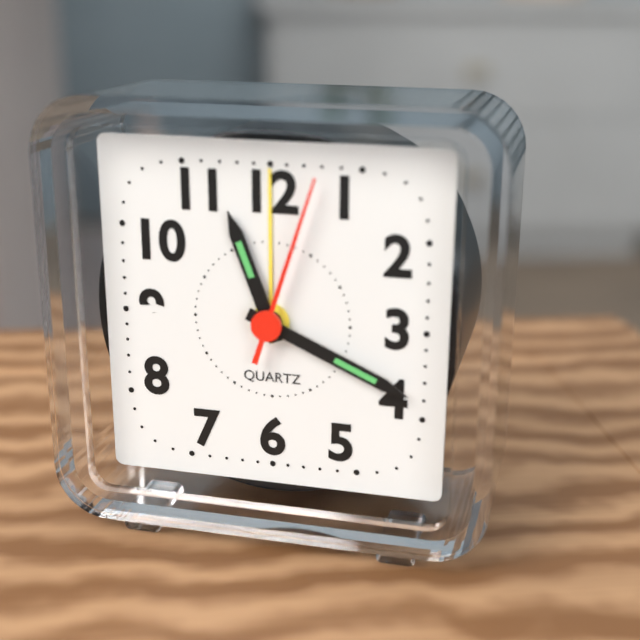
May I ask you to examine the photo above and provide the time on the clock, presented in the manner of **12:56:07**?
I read **11:19:03**
